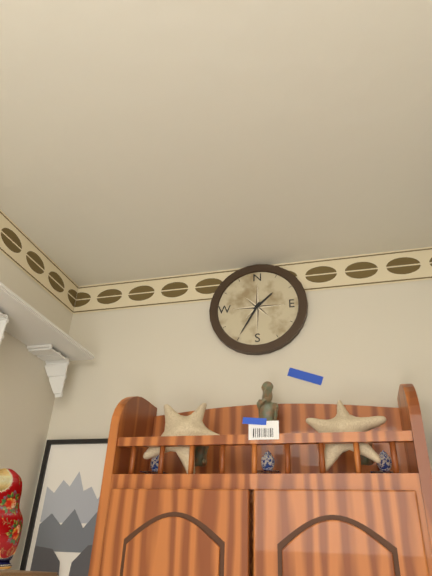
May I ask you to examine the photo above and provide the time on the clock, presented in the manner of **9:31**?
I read **1:35**
